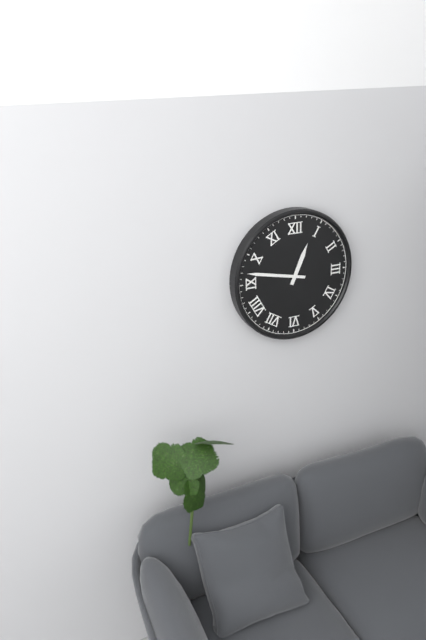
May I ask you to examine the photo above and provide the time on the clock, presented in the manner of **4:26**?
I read **12:47**
